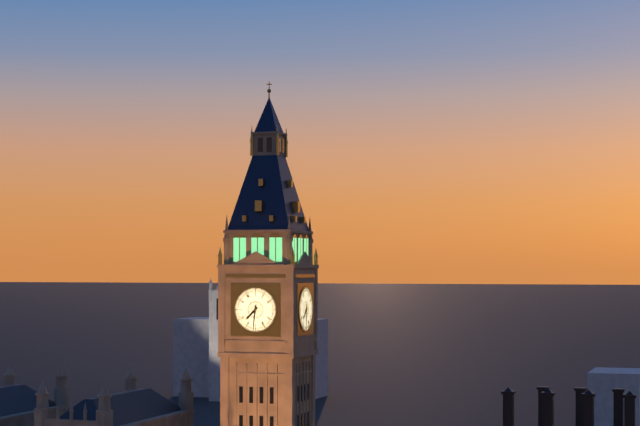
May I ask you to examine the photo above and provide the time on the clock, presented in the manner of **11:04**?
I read **7:31**
